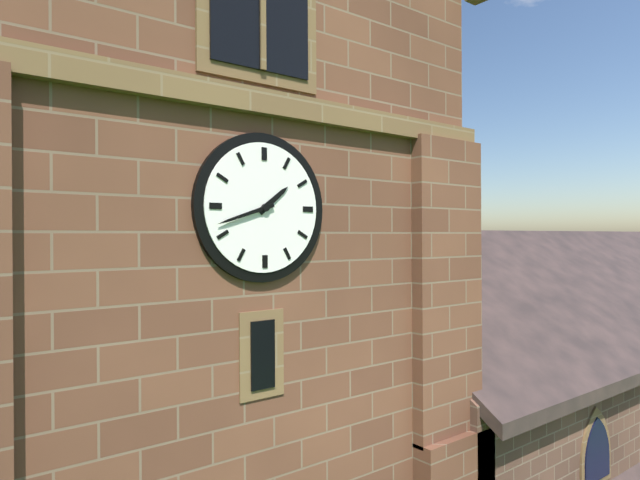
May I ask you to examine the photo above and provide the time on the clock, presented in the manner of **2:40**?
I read **1:42**
